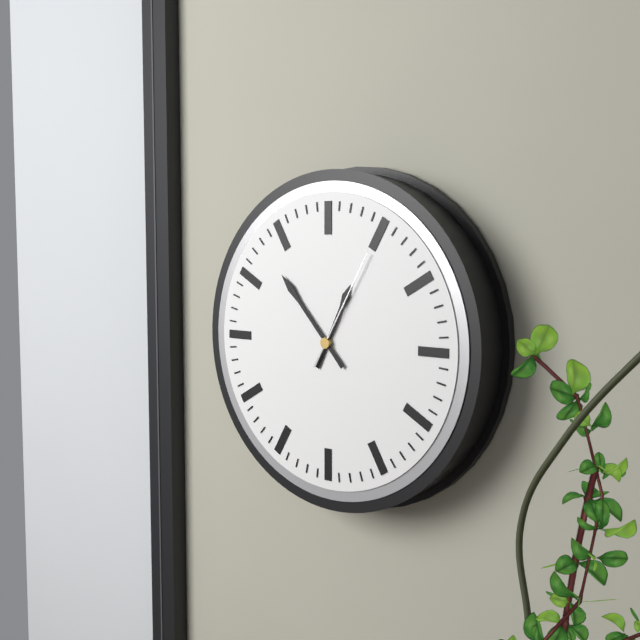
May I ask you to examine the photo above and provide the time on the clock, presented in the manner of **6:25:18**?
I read **12:53:05**
